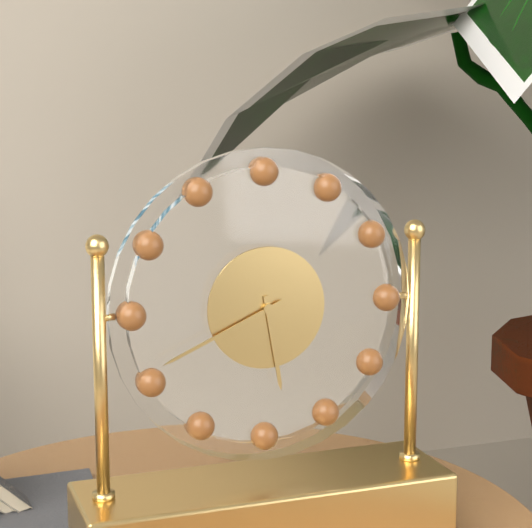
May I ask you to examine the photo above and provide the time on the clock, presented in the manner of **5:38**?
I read **5:41**
